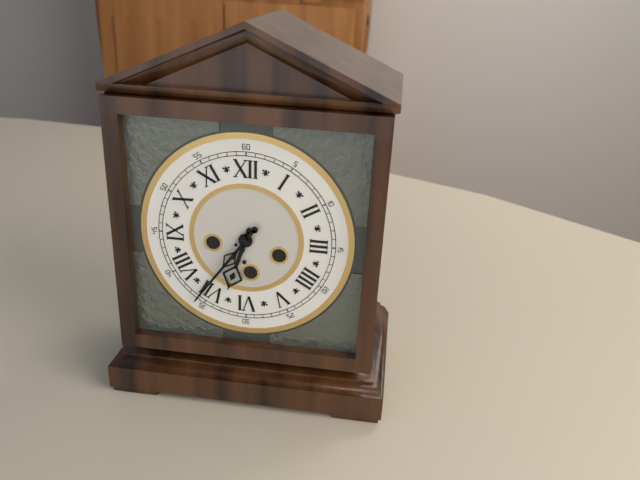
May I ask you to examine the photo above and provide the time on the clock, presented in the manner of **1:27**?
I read **6:36**
